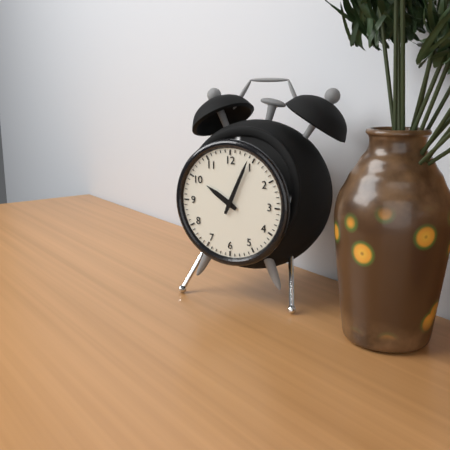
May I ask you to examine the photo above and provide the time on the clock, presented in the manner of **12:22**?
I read **10:04**
